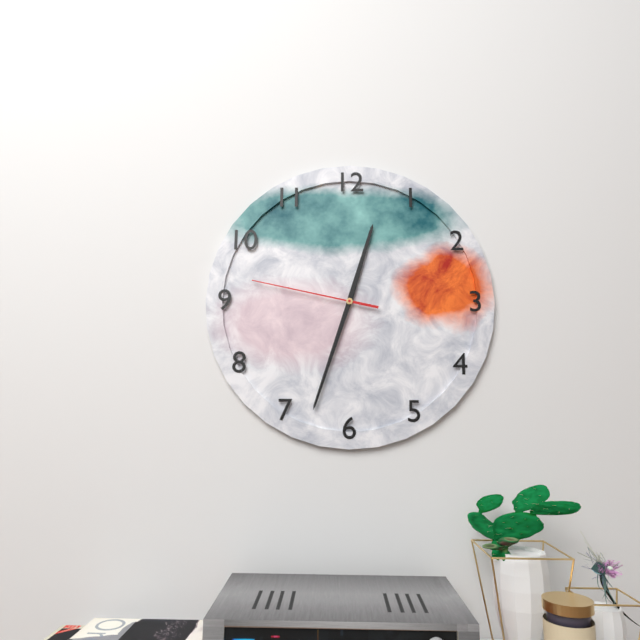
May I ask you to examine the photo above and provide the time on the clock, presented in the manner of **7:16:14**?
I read **12:33:47**
